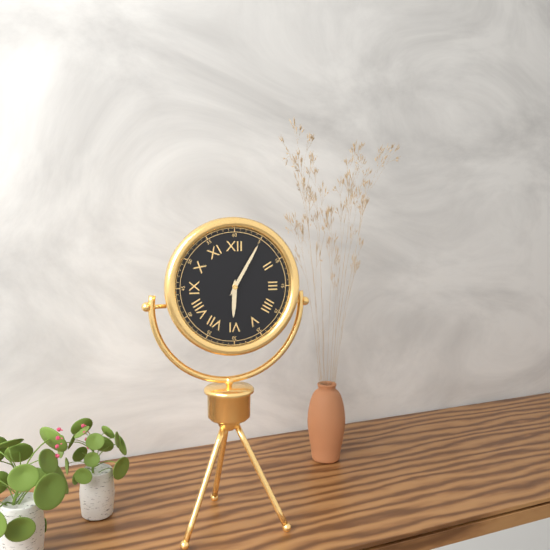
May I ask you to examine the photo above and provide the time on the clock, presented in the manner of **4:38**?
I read **6:05**
